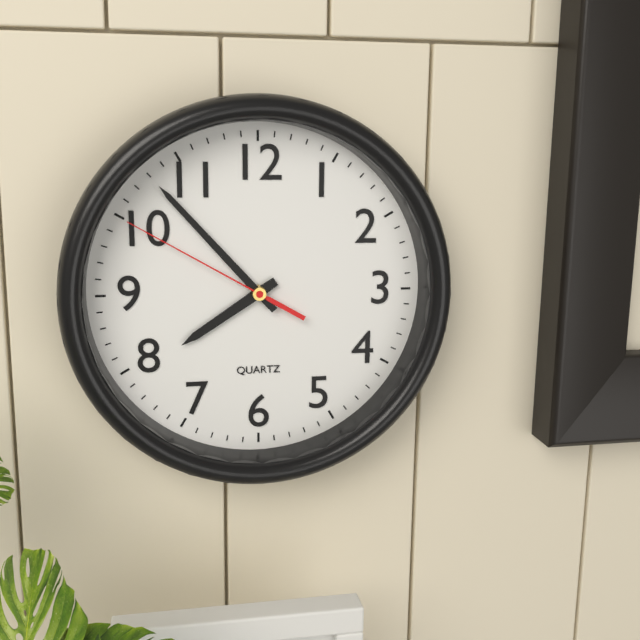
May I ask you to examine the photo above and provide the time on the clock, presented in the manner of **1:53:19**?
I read **7:53:50**
